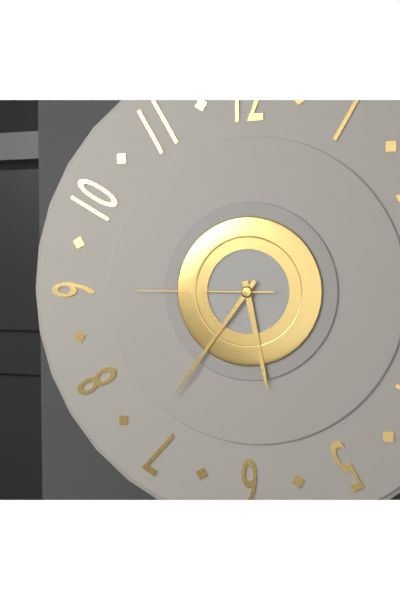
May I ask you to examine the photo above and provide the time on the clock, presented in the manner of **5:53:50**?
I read **5:36:45**
